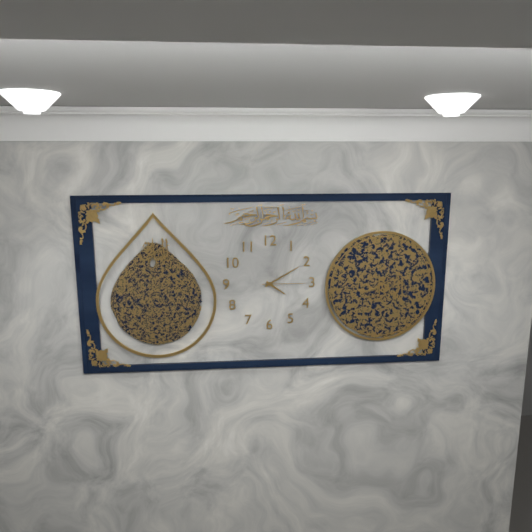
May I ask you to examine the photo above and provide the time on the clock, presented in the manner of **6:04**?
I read **4:10**
